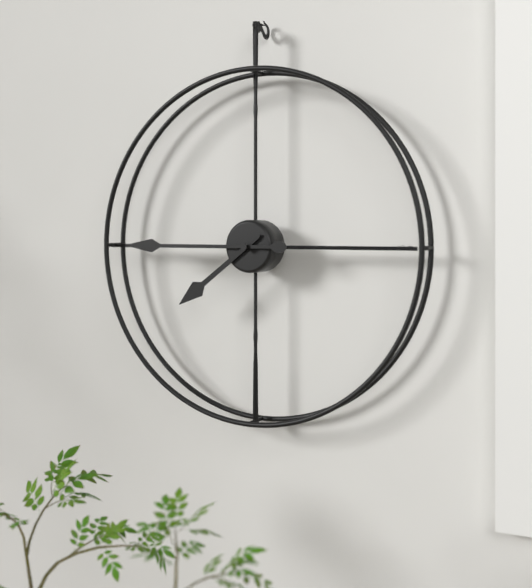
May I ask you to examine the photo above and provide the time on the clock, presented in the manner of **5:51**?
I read **7:45**
